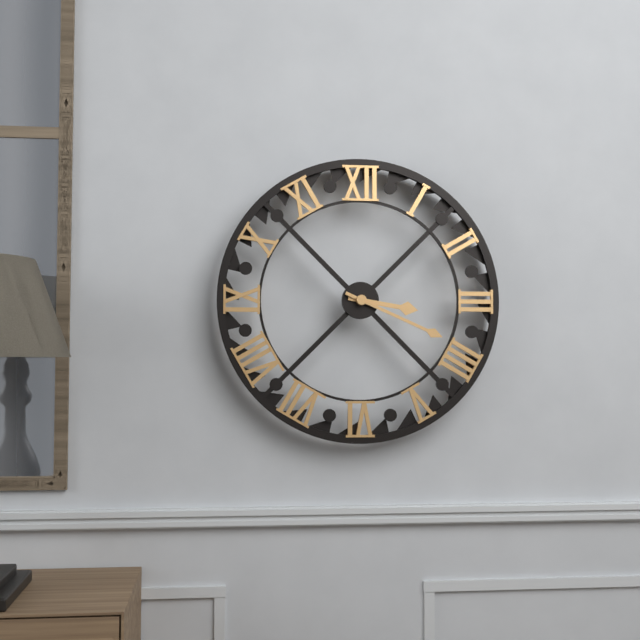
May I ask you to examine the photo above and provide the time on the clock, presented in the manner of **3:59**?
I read **3:19**
